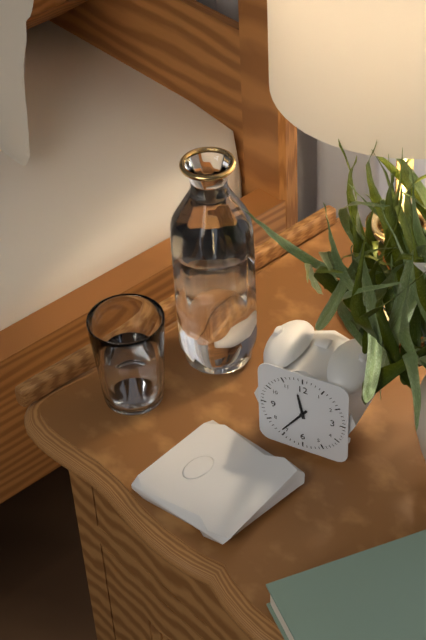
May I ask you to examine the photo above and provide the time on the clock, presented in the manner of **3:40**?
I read **11:36**
